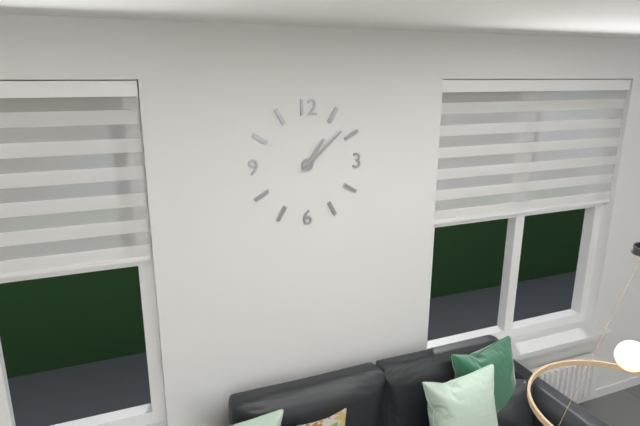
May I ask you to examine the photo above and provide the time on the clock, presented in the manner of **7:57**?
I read **1:08**
